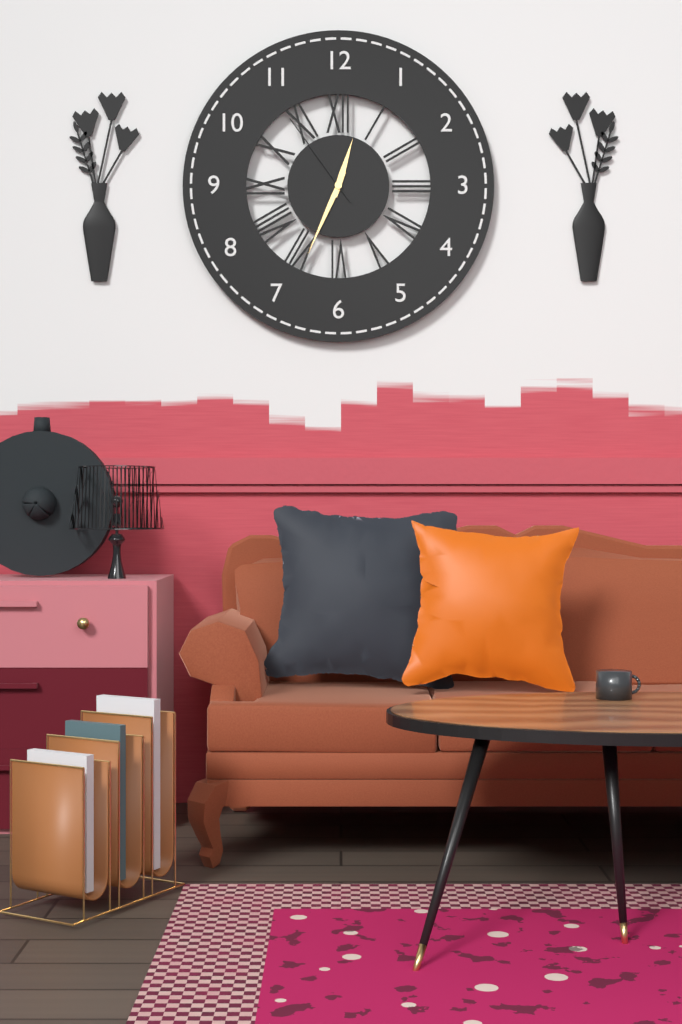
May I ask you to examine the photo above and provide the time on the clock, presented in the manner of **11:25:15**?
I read **12:34:54**
